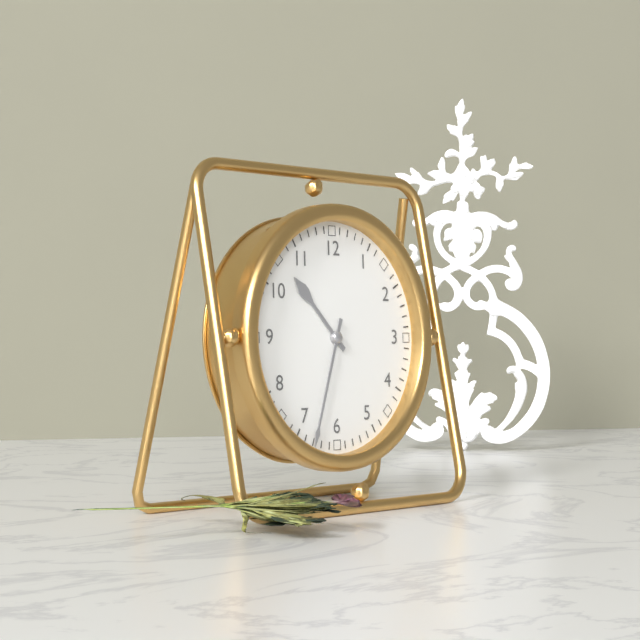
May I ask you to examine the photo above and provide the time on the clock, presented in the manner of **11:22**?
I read **10:33**
